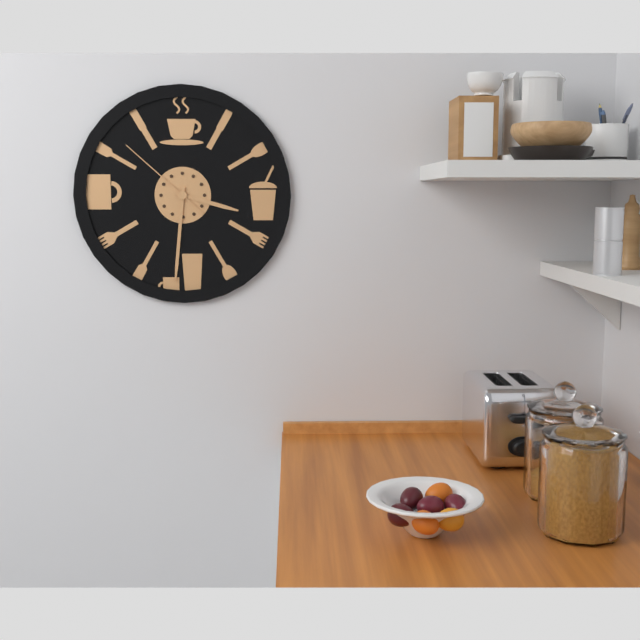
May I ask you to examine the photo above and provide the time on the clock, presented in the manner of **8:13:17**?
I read **3:31:52**
